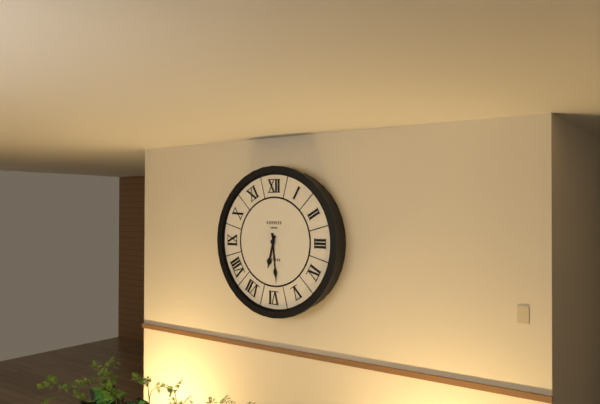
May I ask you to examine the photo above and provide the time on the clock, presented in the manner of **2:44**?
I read **6:29**
